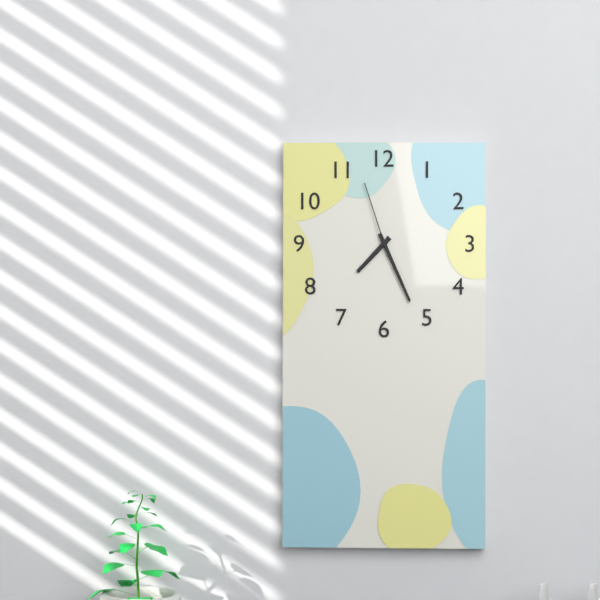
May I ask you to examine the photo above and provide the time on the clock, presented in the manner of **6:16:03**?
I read **7:26:57**
